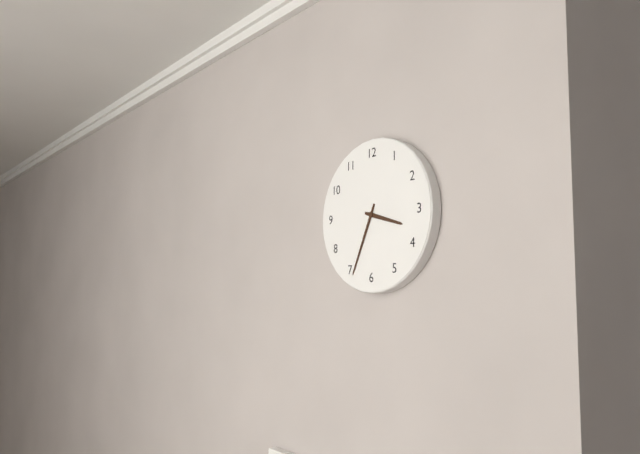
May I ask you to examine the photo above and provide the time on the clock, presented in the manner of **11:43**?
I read **3:34**
